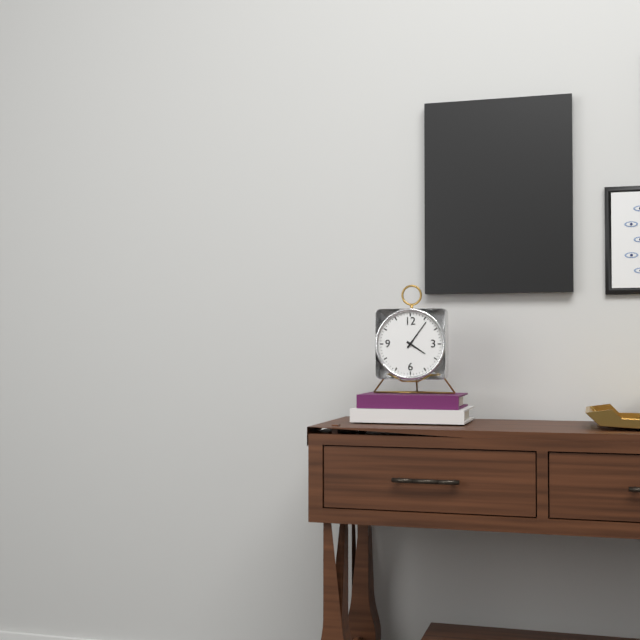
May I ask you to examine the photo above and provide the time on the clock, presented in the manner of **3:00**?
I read **4:06**
